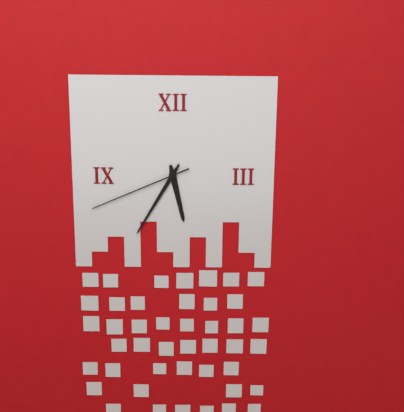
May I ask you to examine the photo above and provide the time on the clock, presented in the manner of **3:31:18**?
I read **5:35:41**
